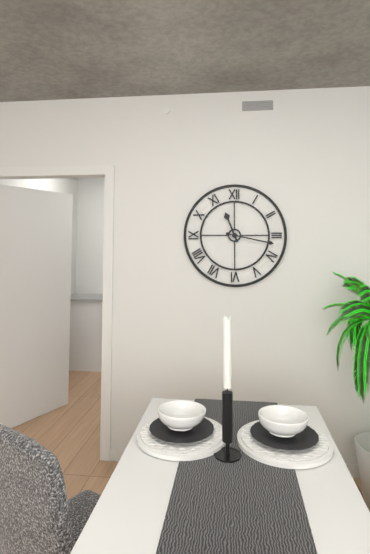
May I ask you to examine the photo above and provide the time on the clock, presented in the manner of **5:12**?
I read **11:17**
